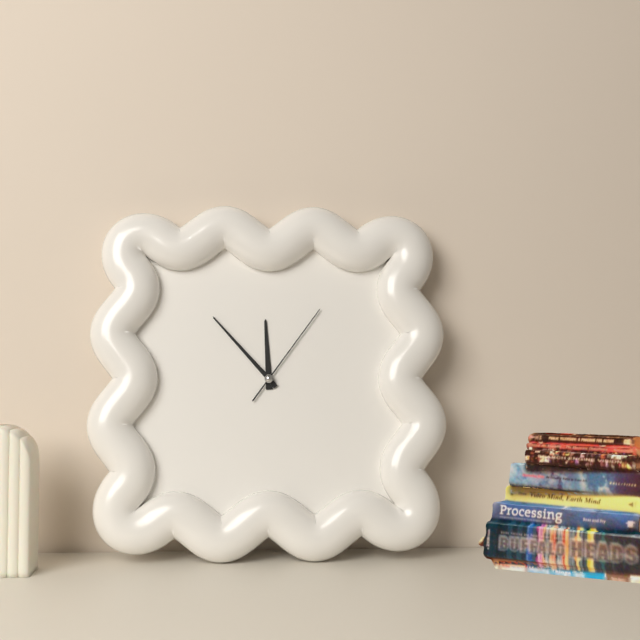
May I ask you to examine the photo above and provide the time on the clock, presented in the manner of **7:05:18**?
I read **11:53:06**
